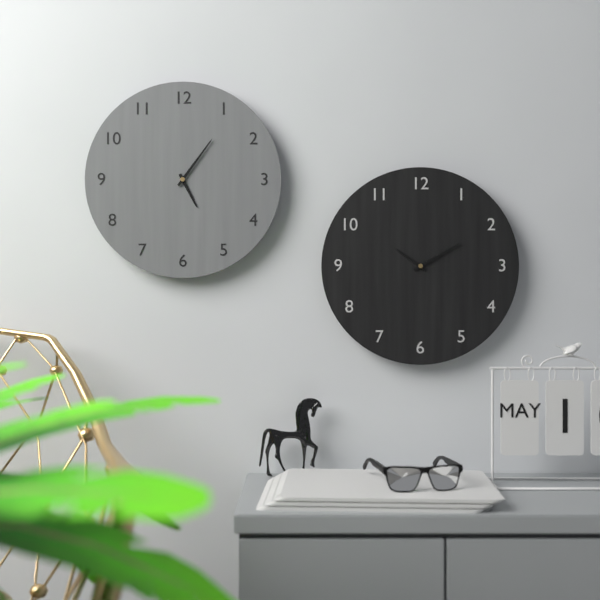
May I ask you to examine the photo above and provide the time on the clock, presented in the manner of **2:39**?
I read **5:06**
